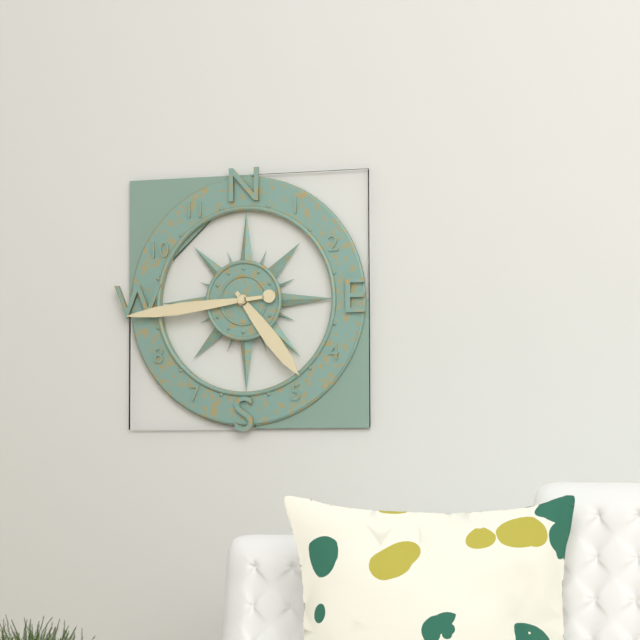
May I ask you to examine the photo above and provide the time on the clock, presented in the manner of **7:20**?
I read **4:44**
